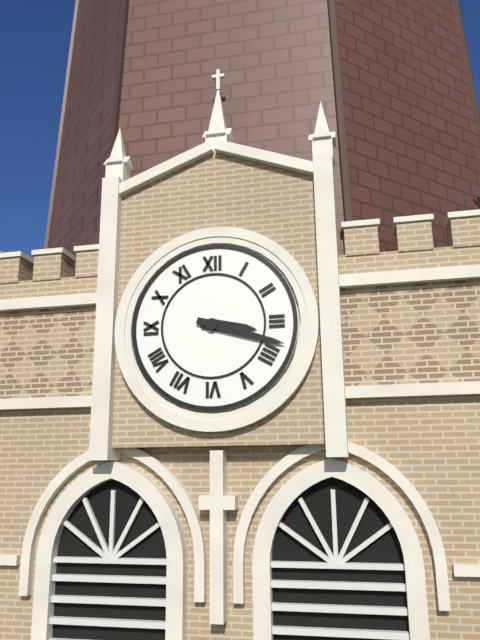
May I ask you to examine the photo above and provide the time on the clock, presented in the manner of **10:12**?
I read **3:18**
